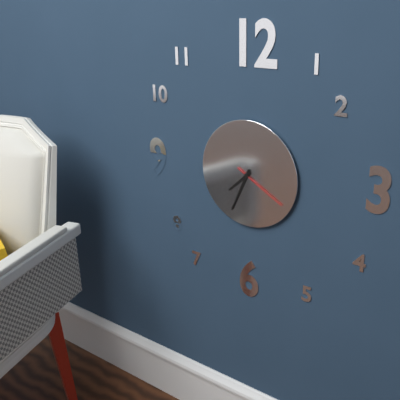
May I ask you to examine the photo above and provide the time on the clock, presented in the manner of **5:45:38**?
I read **7:34:20**
